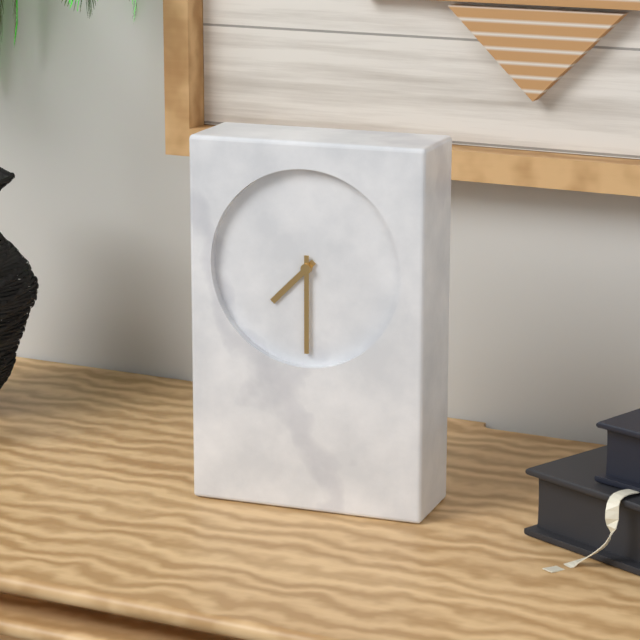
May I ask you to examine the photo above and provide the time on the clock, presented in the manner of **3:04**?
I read **7:30**
